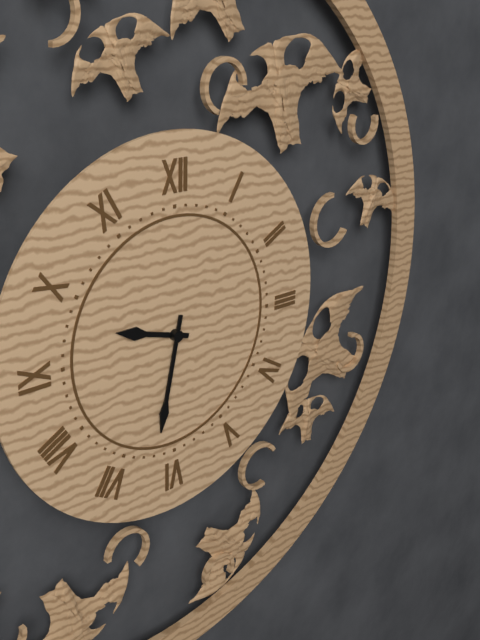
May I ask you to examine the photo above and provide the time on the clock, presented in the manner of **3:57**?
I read **9:32**
